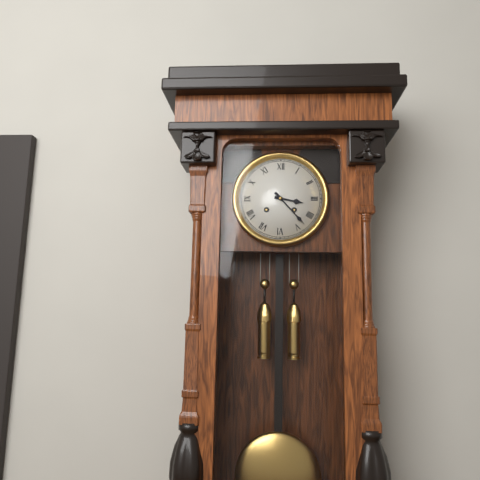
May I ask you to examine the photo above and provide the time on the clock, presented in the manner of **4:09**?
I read **3:23**
